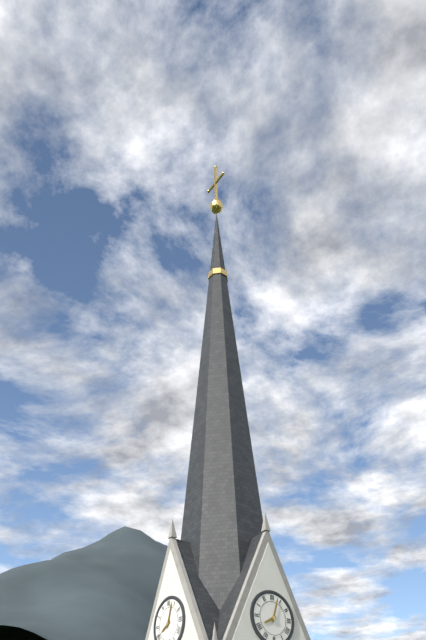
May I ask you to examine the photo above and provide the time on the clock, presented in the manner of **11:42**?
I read **8:03**
